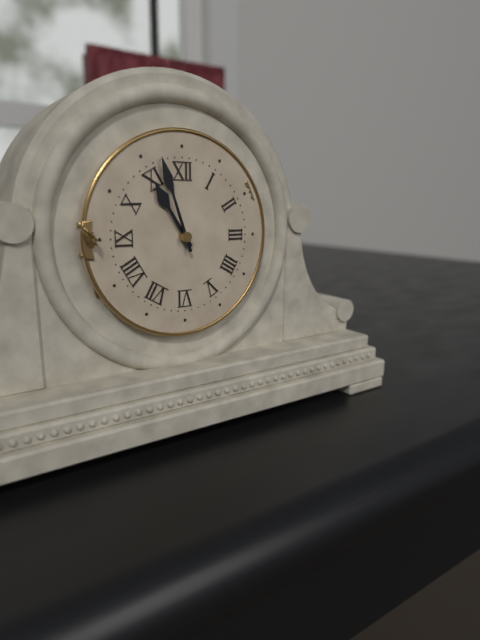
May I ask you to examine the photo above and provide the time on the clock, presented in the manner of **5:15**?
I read **10:57**
